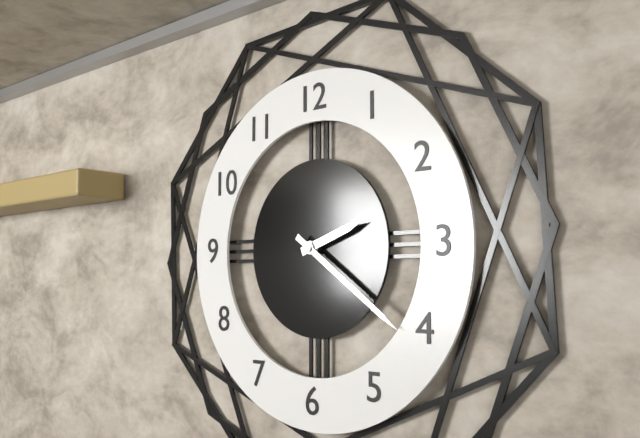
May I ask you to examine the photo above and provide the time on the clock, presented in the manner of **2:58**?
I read **2:21**
